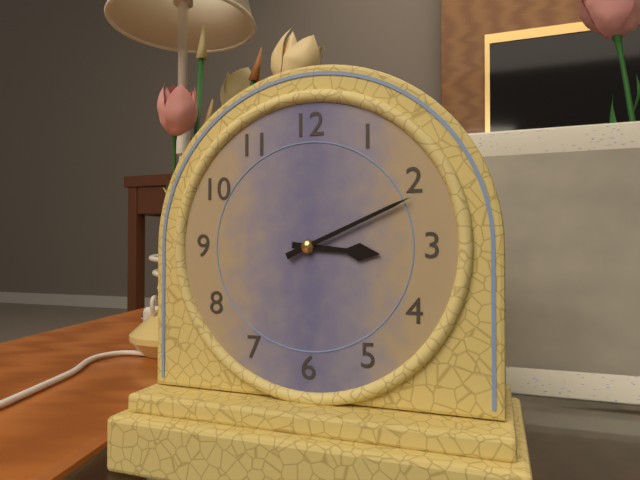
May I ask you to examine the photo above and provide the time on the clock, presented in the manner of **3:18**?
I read **3:11**
